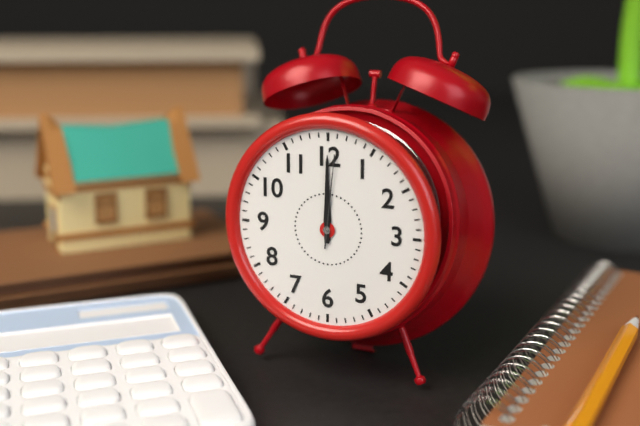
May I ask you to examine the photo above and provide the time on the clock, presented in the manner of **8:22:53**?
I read **12:00:01**
